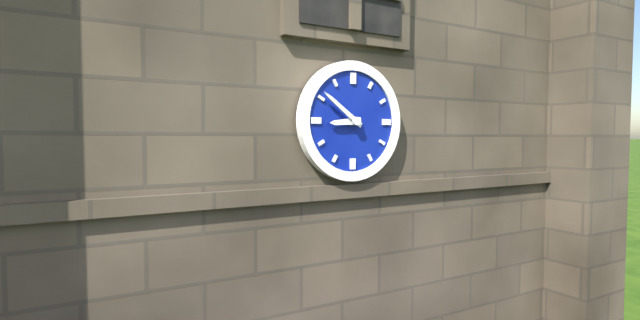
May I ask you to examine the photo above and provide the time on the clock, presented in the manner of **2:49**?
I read **8:51**
